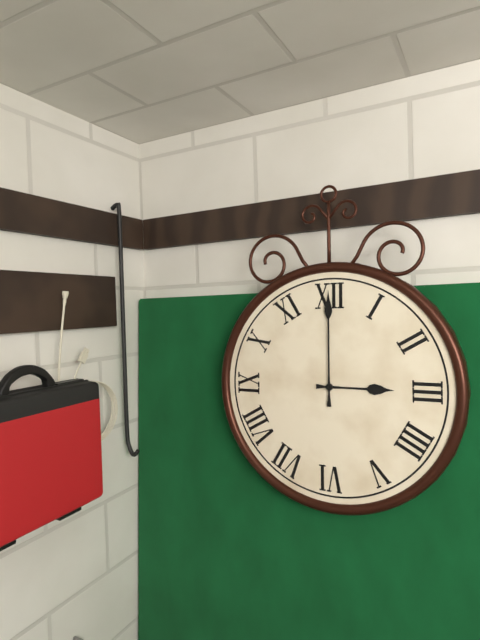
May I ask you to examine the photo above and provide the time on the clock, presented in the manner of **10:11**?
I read **3:00**
